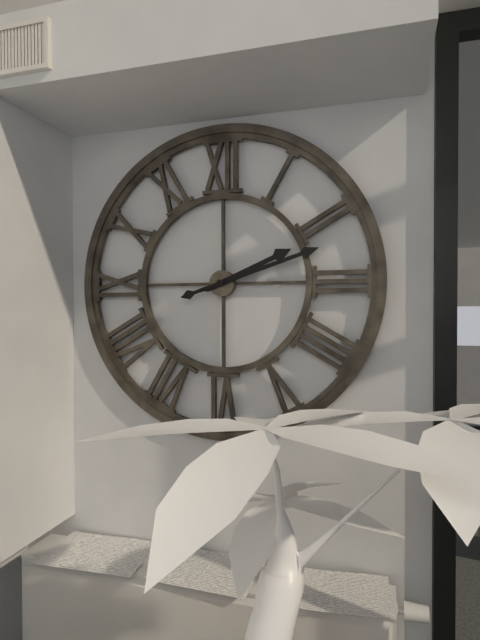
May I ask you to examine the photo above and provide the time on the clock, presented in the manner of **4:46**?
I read **2:12**
